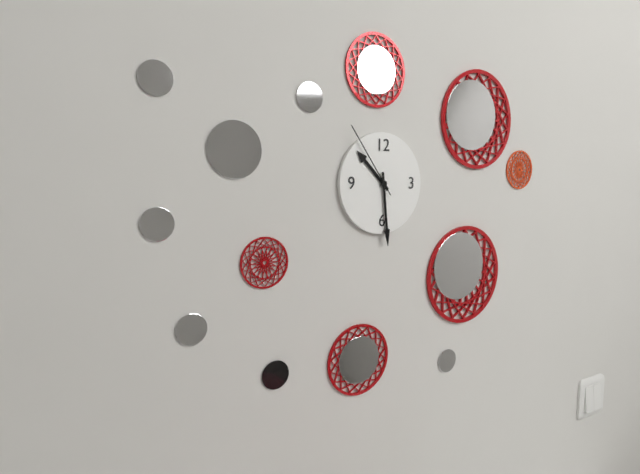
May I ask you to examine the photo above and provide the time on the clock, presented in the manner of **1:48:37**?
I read **10:29:54**
